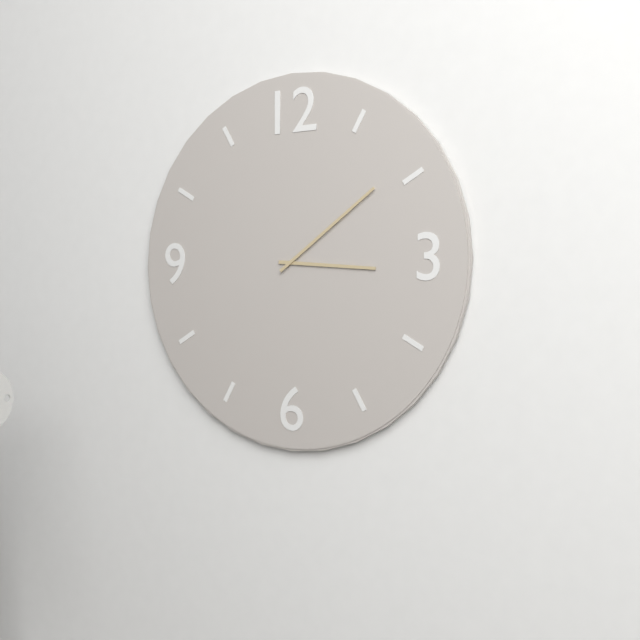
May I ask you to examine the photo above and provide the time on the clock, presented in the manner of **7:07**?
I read **3:09**
